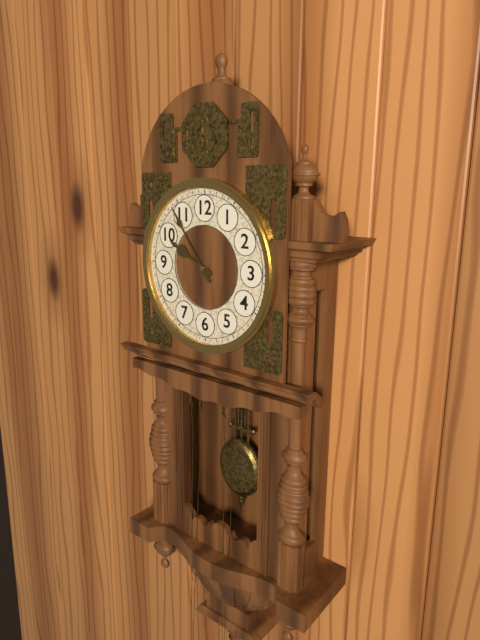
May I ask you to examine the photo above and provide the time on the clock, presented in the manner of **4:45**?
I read **9:54**
